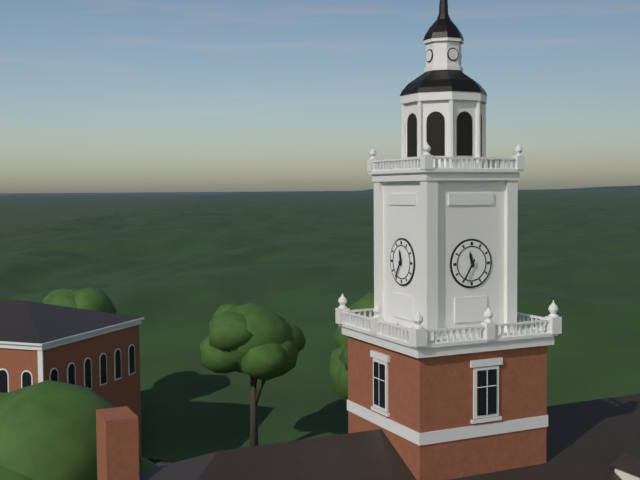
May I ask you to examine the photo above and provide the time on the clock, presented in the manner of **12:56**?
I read **11:35**
